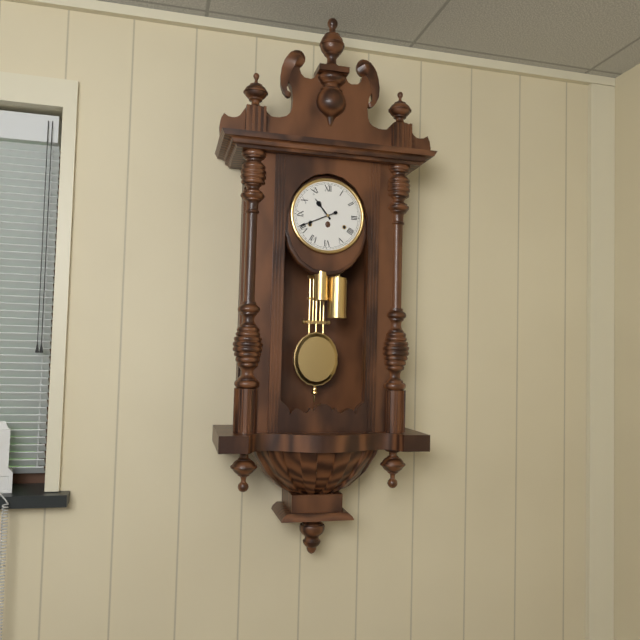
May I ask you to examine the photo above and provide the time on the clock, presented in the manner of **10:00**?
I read **10:41**
